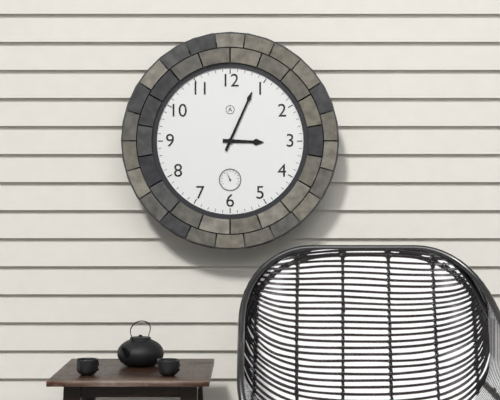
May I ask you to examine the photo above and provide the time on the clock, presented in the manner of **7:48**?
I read **3:04**
